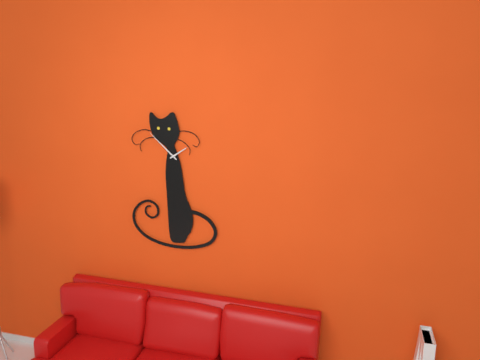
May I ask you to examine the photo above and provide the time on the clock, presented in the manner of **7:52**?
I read **1:52**
